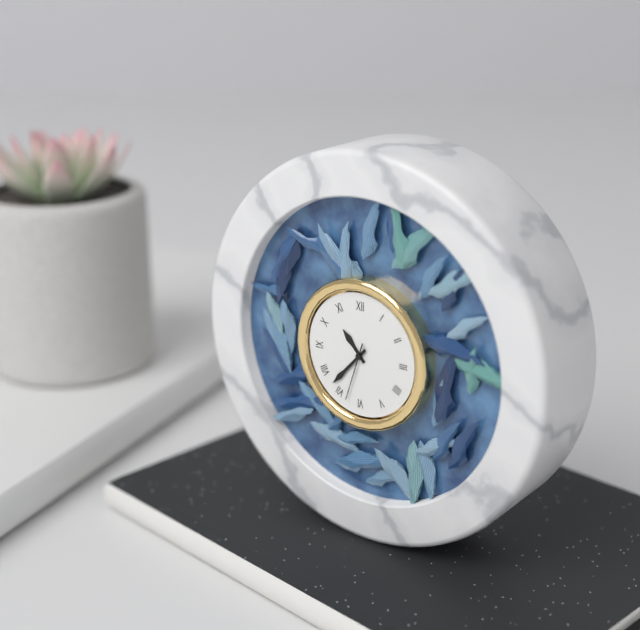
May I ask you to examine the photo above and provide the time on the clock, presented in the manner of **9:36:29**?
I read **10:37:33**
